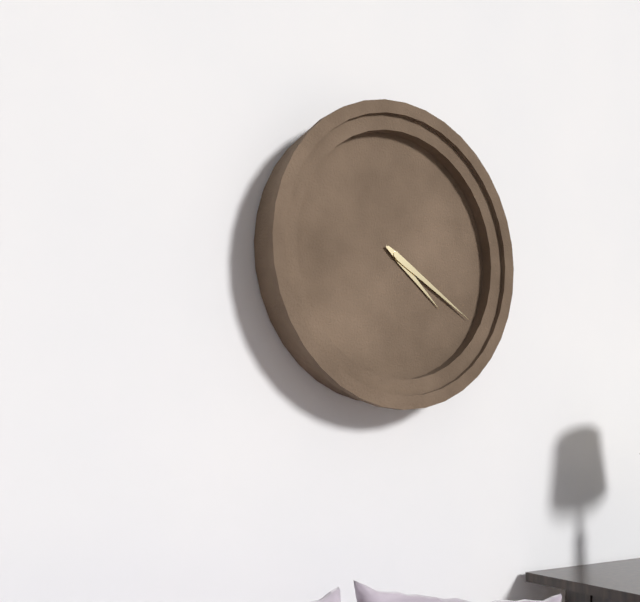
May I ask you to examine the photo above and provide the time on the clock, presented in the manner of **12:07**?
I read **4:20**
